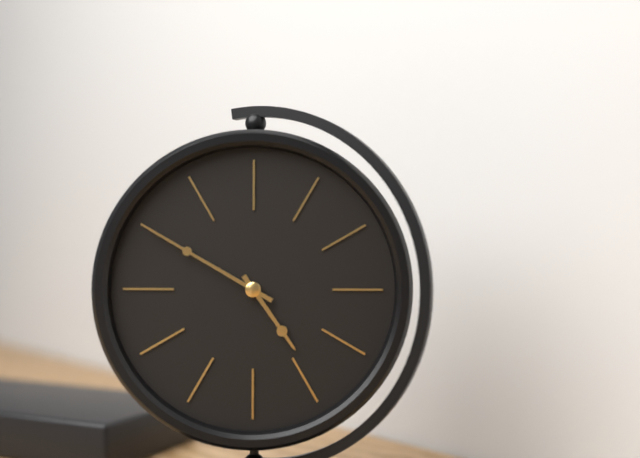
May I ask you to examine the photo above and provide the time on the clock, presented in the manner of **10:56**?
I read **4:50**
